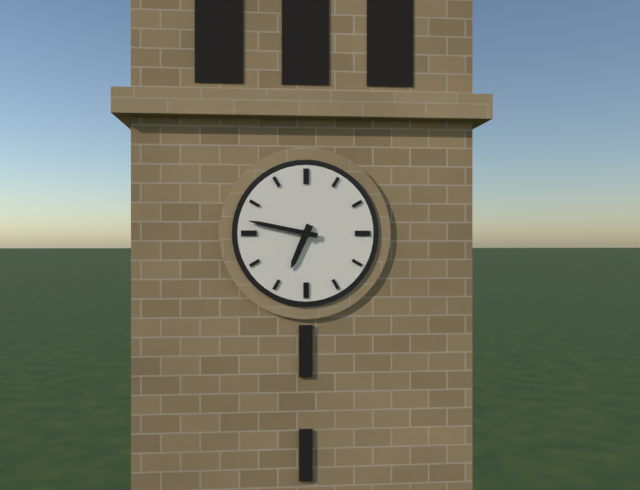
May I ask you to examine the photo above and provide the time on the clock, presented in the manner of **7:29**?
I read **6:47**
